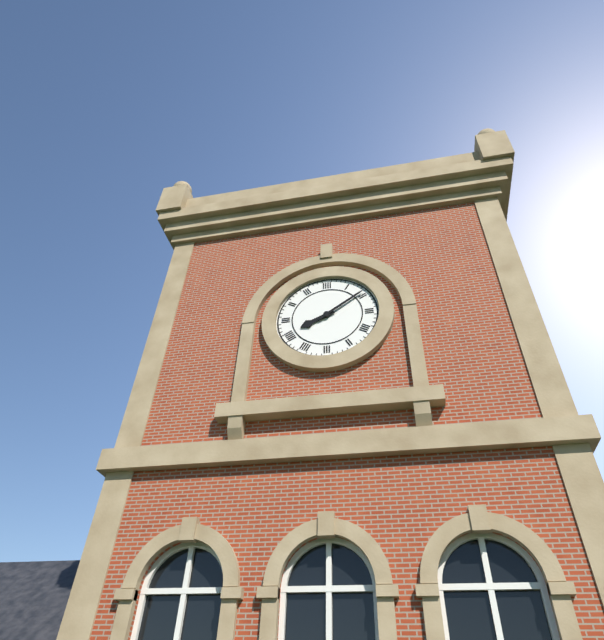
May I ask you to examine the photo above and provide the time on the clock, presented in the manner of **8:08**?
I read **8:09**
